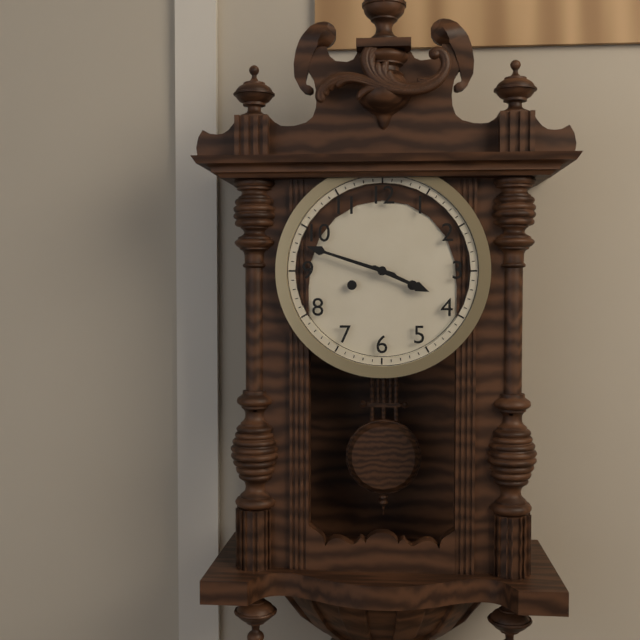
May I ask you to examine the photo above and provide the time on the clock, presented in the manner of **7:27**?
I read **3:48**
